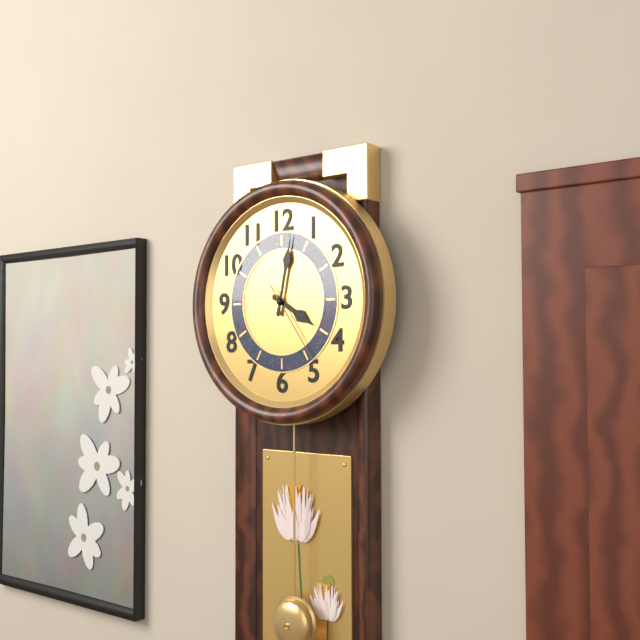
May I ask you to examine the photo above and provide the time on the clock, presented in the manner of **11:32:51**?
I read **4:02:24**
